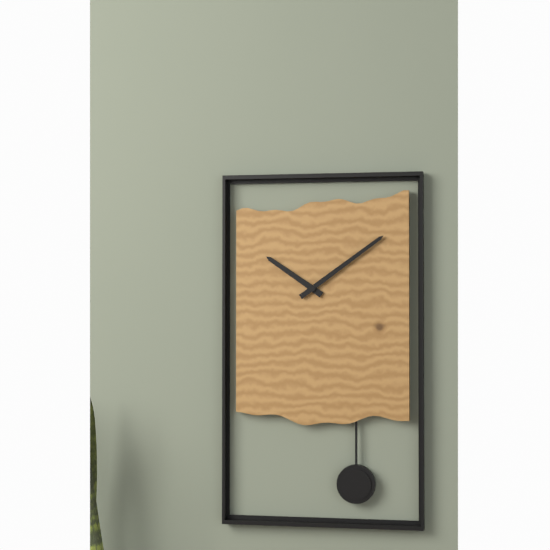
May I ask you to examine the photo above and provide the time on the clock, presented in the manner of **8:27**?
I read **10:09**
